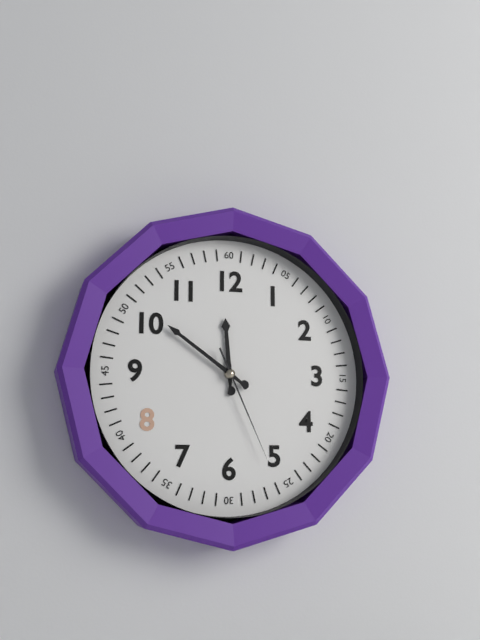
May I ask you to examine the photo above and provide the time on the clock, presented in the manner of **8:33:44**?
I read **11:51:26**
